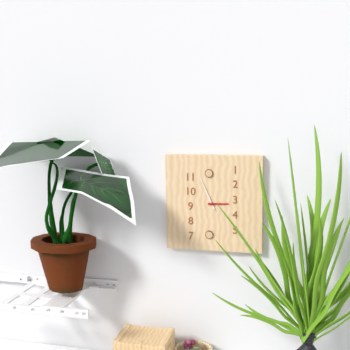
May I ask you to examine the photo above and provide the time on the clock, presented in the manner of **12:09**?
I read **2:56**
